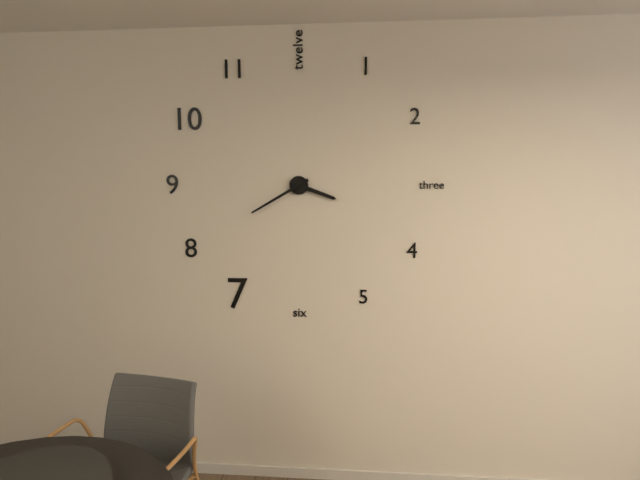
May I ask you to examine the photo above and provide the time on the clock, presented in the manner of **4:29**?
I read **3:40**
